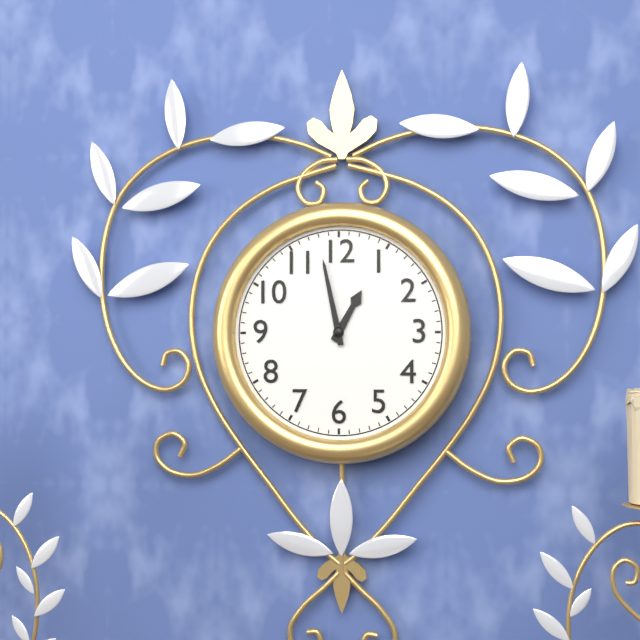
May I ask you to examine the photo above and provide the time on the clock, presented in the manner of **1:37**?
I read **12:58**
